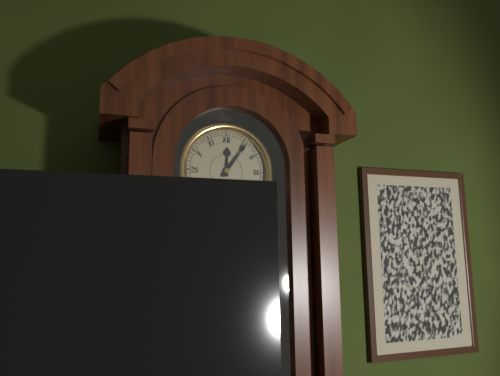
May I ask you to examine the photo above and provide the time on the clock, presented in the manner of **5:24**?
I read **12:06**
